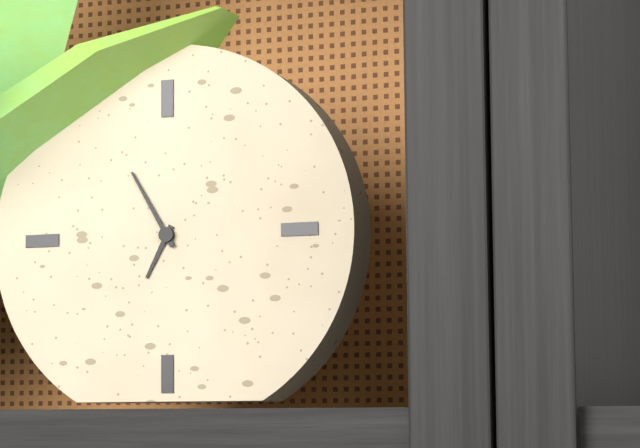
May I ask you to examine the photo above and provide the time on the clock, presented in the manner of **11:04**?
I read **6:55**
